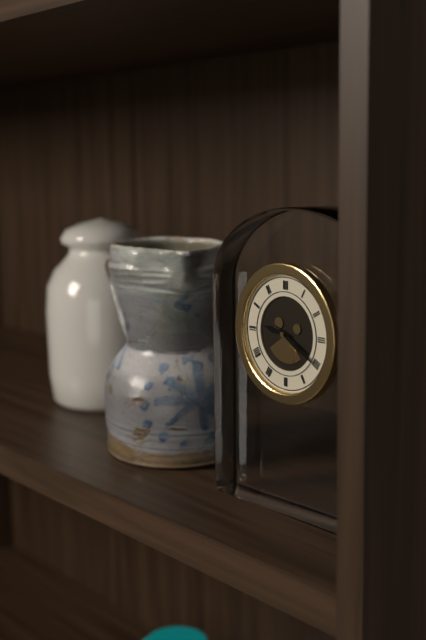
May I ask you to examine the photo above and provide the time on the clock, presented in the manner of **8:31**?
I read **9:20**
